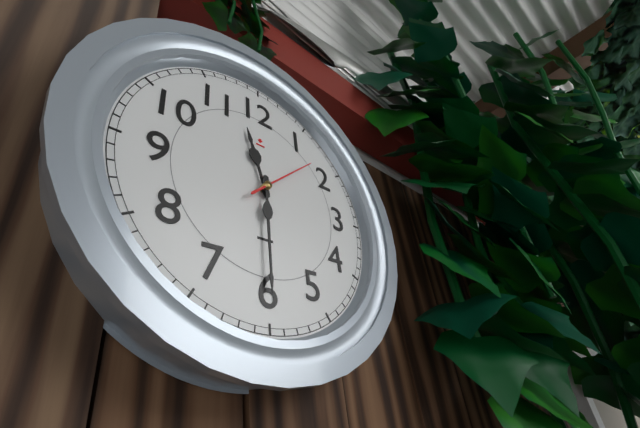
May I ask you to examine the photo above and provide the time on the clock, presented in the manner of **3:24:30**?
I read **11:30:08**
